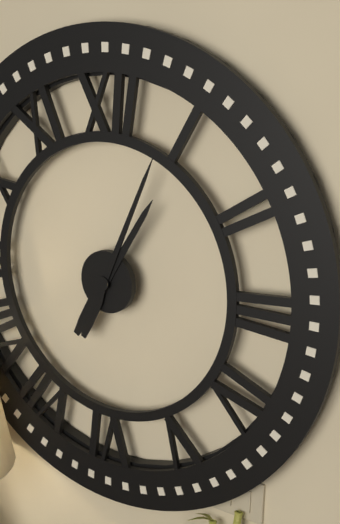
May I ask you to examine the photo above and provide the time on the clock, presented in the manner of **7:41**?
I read **1:04**
